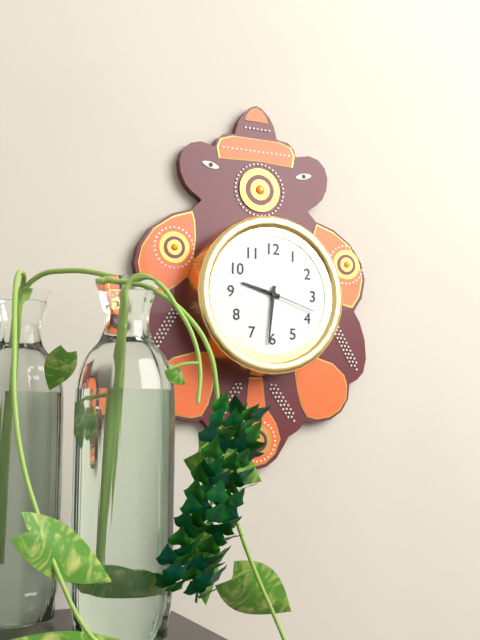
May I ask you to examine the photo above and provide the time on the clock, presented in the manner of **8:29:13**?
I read **9:31:18**
